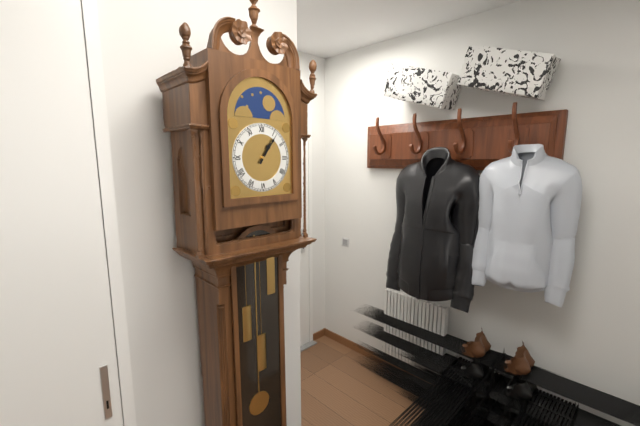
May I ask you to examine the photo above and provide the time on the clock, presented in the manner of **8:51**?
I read **1:06**
